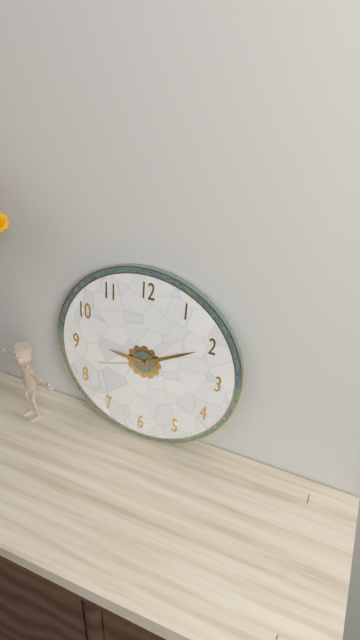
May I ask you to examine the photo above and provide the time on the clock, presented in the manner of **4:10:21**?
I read **9:10:42**
